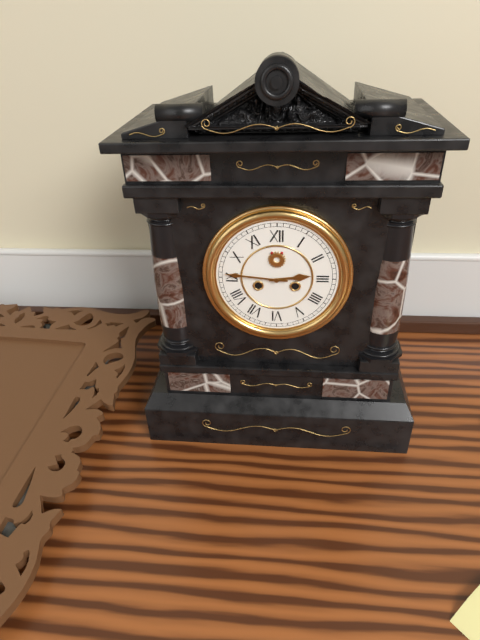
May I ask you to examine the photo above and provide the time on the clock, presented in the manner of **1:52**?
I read **2:46**
